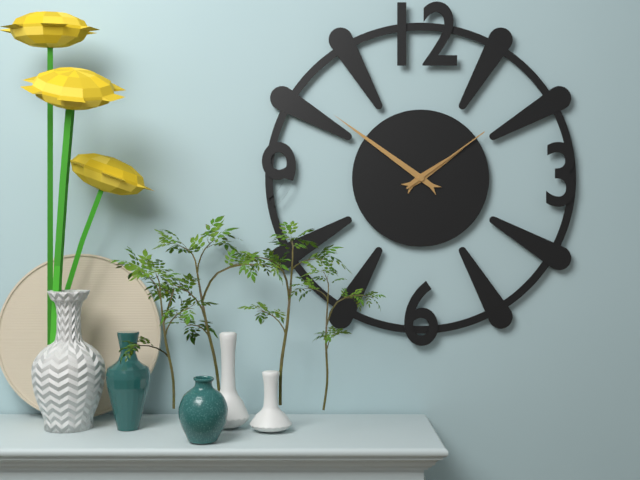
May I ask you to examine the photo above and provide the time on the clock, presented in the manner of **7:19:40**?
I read **1:51:09**
